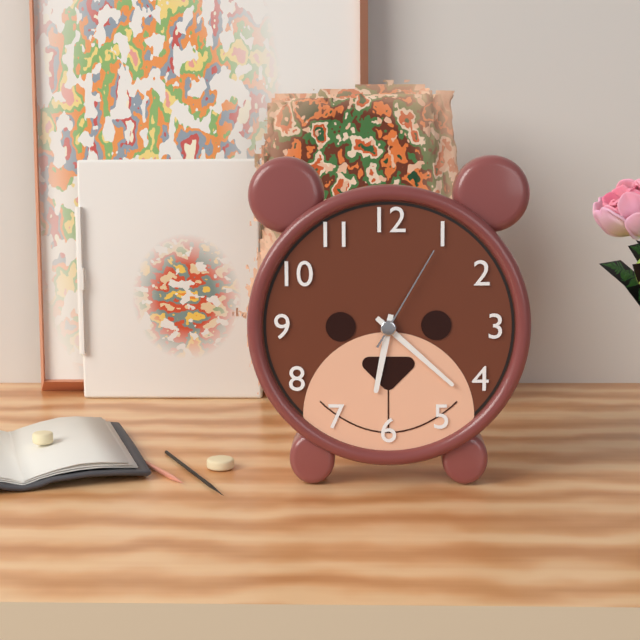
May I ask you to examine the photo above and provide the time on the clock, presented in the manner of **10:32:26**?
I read **6:22:05**
